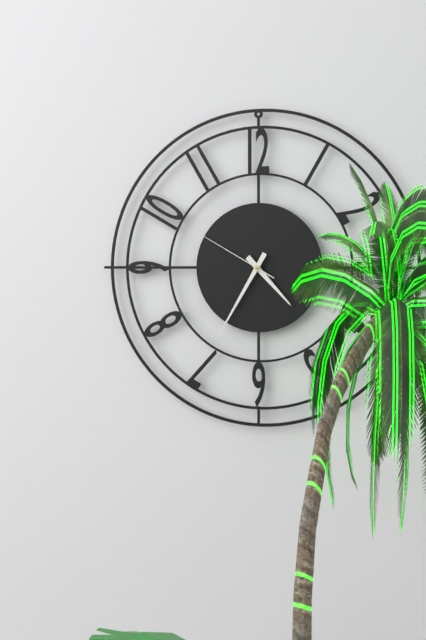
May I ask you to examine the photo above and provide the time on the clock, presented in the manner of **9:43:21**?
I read **4:35:50**
